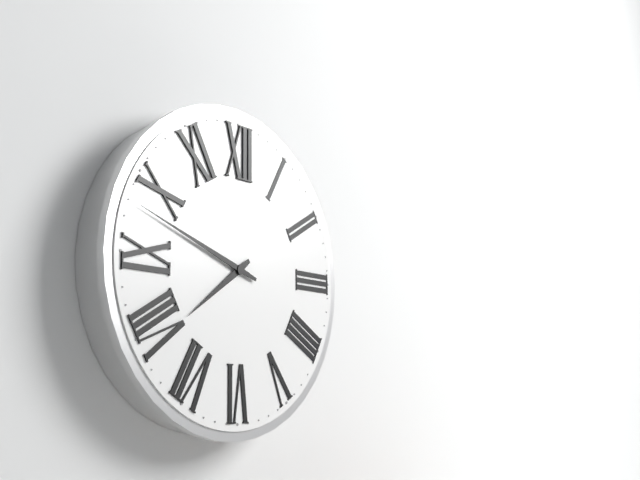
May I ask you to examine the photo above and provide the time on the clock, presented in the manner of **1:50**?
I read **7:48**
